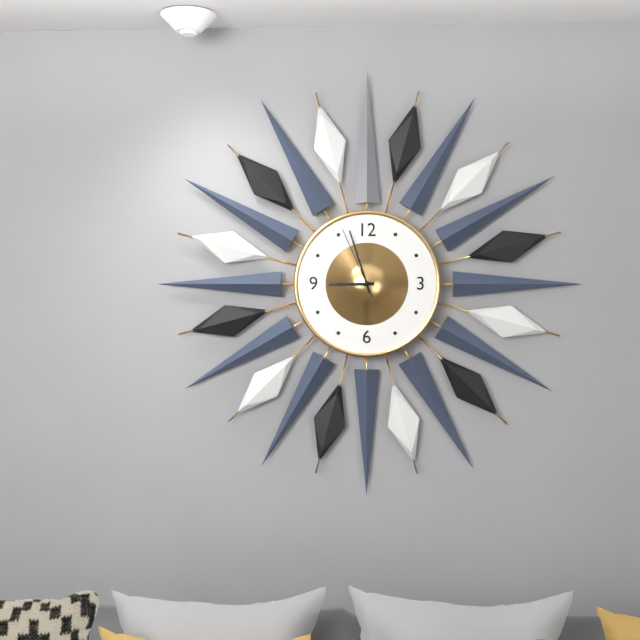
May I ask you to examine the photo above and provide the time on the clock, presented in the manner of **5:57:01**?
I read **8:57:56**
